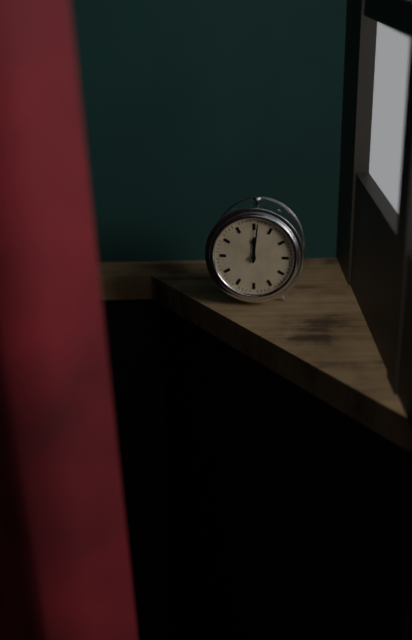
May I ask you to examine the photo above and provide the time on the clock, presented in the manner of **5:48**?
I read **12:01**
